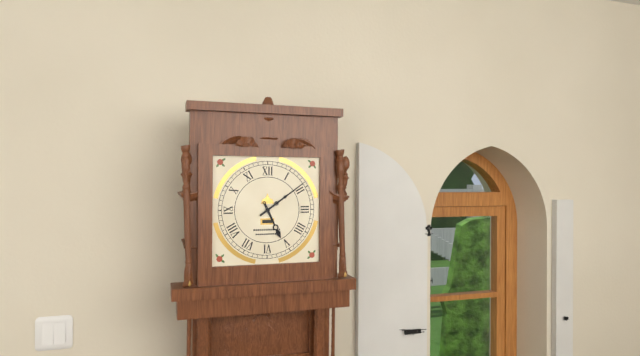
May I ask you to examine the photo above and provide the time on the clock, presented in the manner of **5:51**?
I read **5:09**
